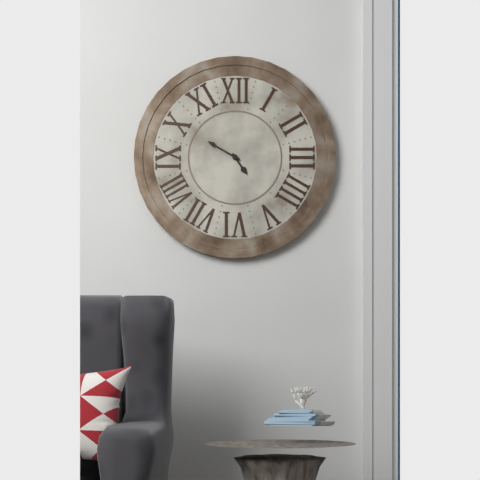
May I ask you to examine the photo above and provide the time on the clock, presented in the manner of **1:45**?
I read **4:50**
